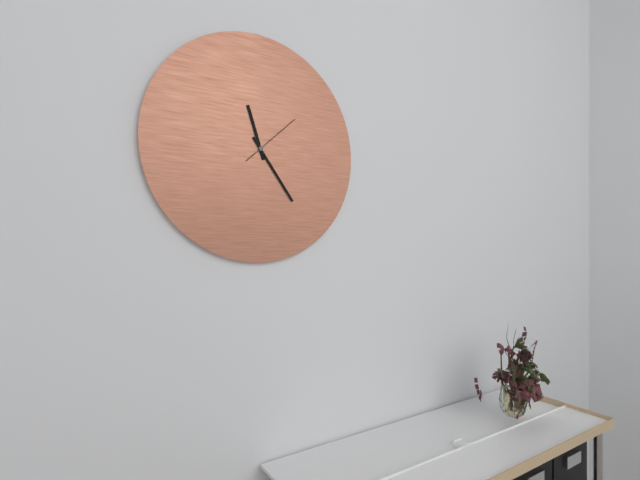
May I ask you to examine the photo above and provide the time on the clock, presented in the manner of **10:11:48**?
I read **11:24:08**
